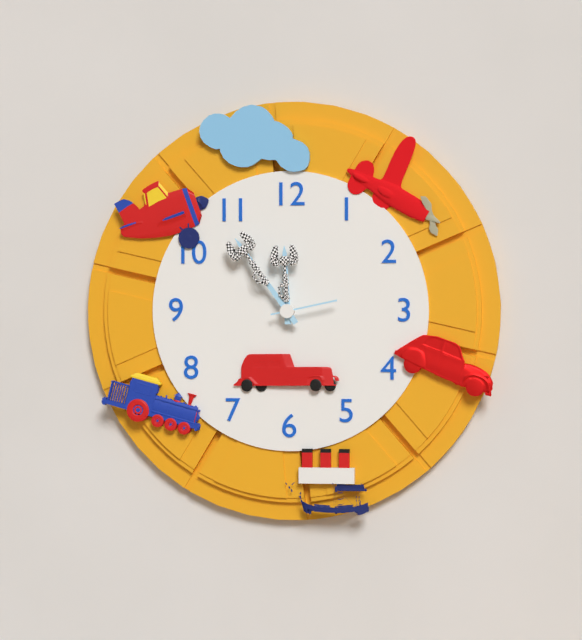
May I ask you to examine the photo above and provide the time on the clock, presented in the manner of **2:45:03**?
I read **11:54:13**
